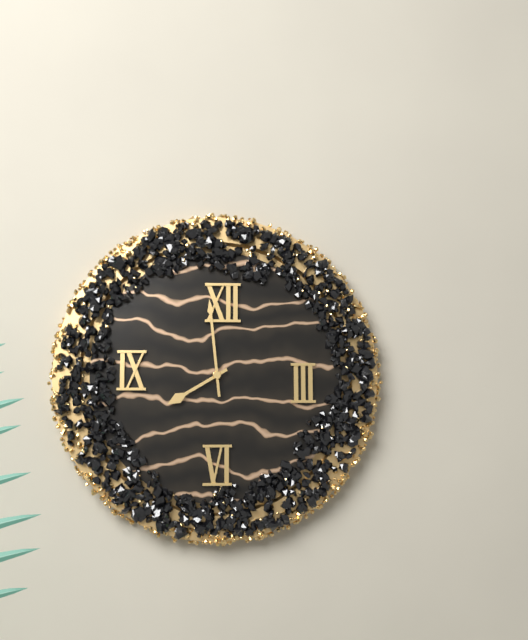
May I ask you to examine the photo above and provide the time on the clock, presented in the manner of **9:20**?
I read **7:59**
